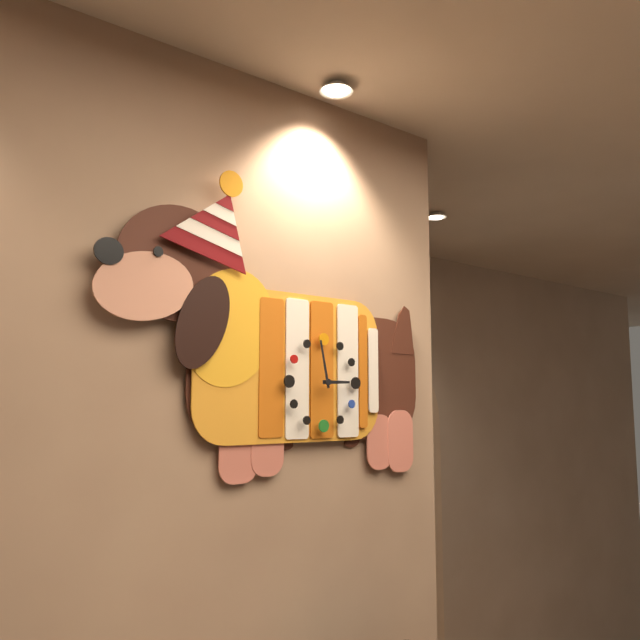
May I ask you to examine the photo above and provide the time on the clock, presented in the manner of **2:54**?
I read **2:58**
